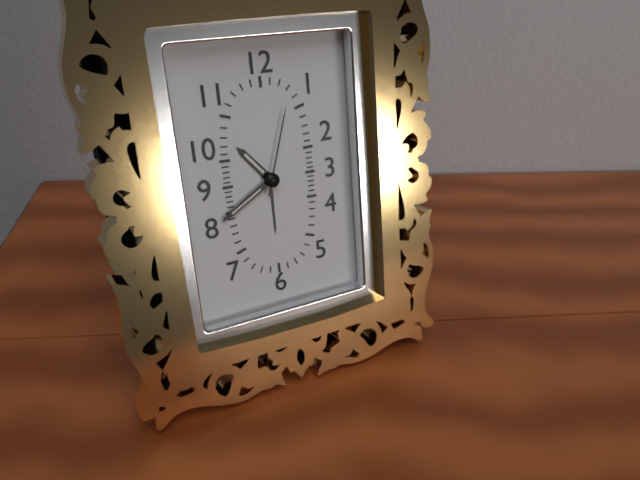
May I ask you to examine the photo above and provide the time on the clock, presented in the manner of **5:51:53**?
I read **10:40:03**
